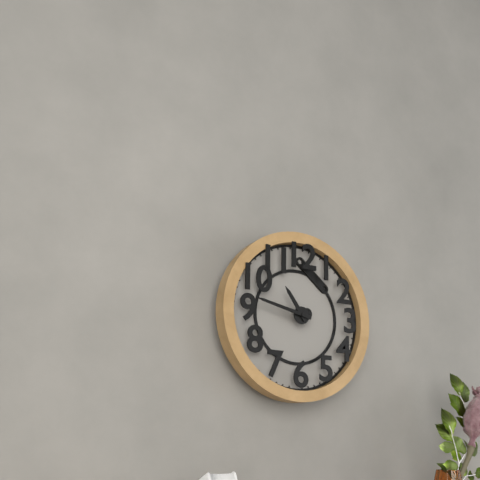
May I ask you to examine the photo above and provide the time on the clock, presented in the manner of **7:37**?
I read **10:47**
